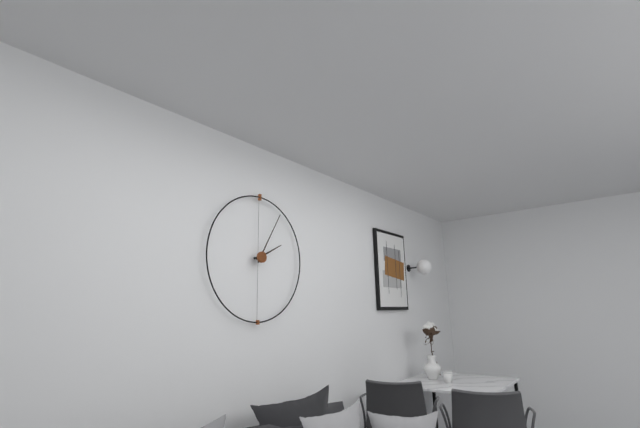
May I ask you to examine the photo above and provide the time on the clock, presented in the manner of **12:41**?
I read **2:05**
